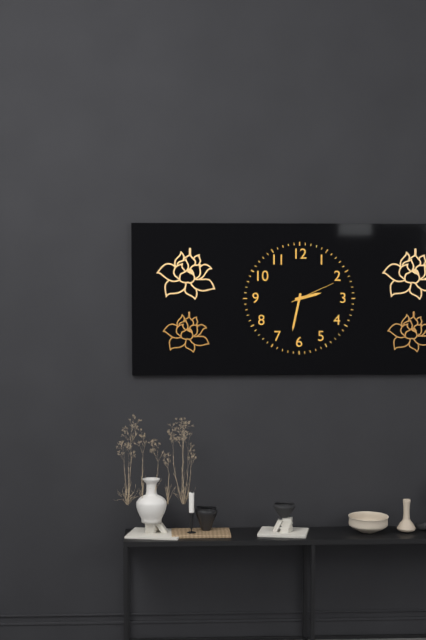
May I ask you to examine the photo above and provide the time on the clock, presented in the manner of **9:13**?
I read **2:32**
